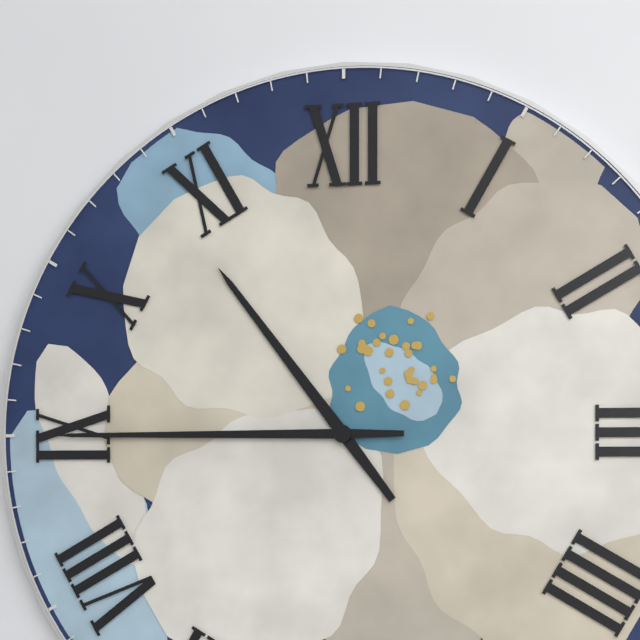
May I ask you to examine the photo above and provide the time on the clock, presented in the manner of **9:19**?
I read **10:45**
